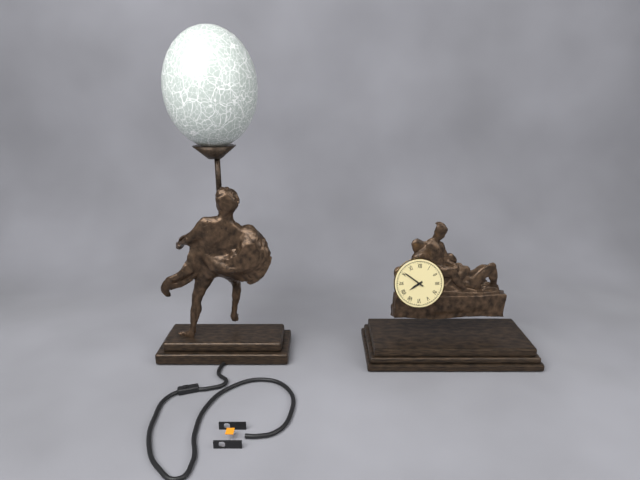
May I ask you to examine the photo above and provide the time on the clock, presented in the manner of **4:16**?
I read **7:51**
